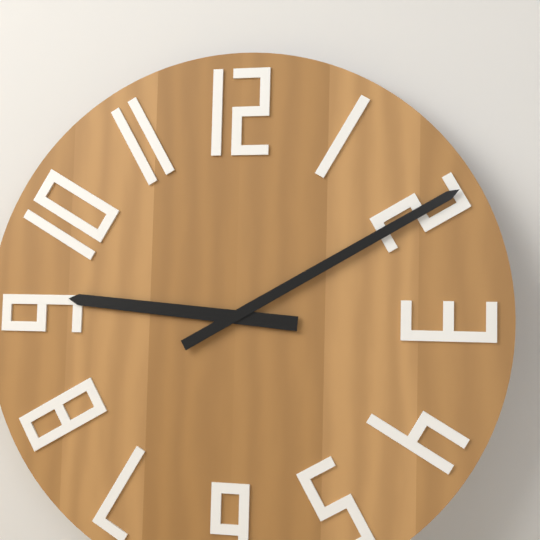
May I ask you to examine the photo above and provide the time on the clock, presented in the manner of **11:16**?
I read **9:10**
